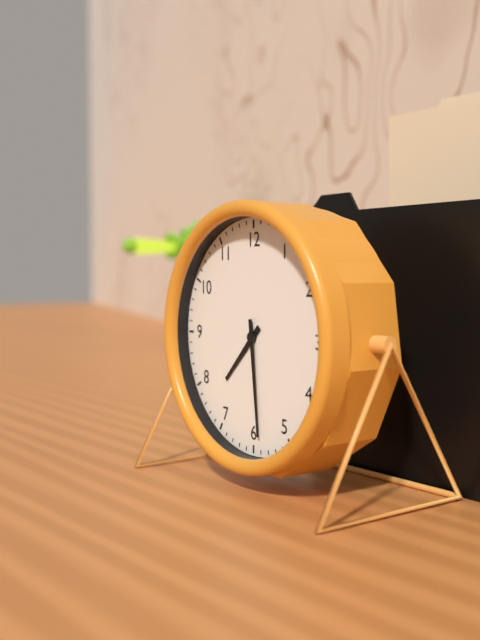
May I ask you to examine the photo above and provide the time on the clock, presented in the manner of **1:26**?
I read **7:29**
